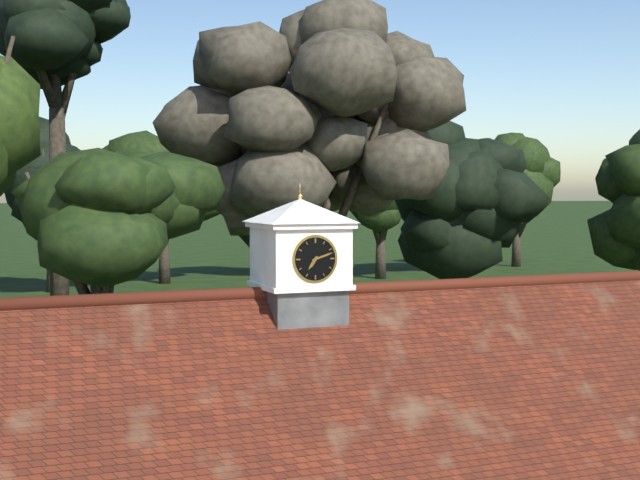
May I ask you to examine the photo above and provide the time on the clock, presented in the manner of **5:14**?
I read **7:12**
